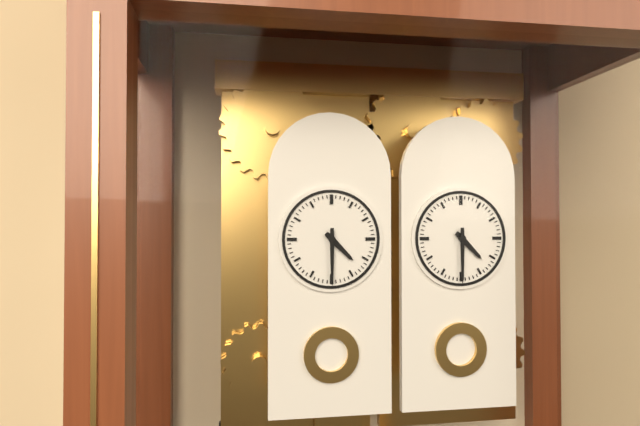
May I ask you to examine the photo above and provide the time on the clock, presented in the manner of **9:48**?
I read **4:30**
